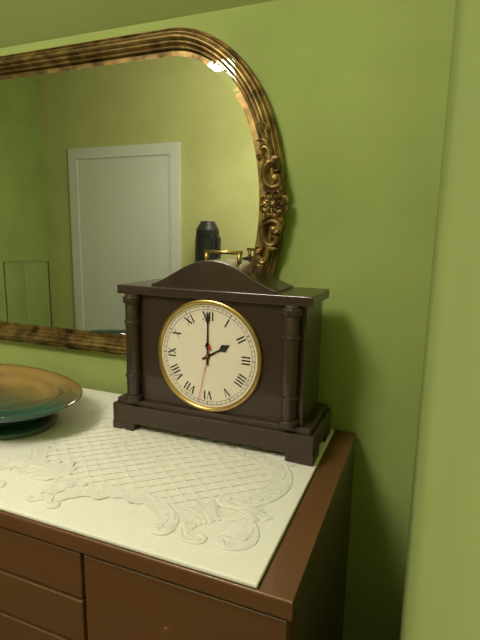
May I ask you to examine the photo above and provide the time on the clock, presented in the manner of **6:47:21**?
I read **2:00:32**
